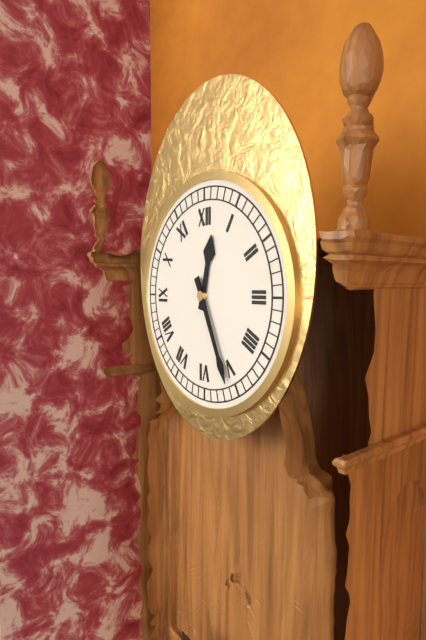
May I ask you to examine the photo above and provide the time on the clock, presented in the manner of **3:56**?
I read **12:26**
